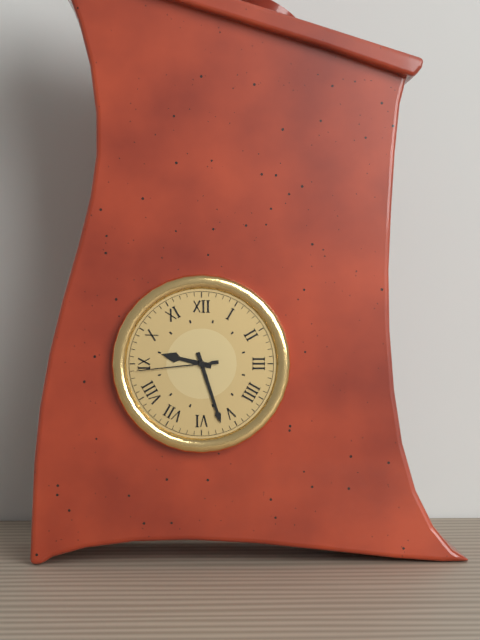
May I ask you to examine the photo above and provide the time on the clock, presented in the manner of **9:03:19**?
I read **9:27:44**
